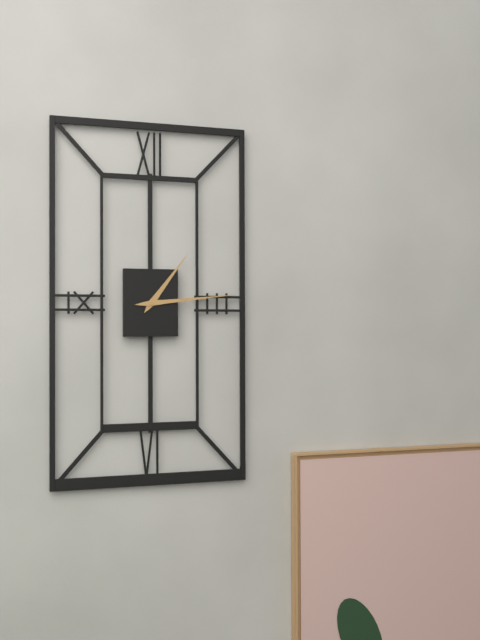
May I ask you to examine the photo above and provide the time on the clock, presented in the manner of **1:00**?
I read **1:14**
